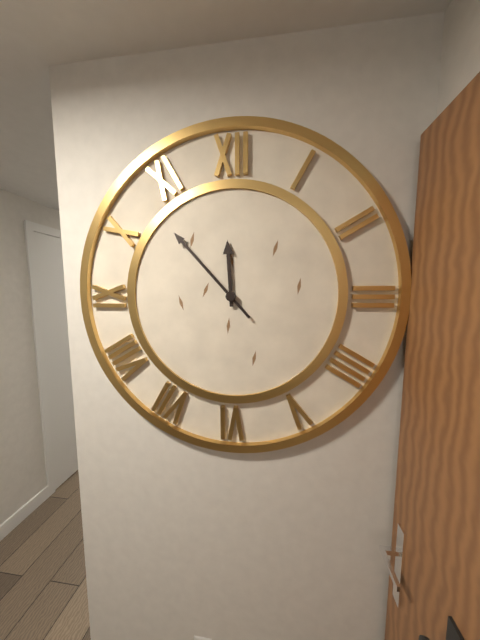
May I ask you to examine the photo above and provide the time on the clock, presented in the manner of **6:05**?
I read **11:53**
